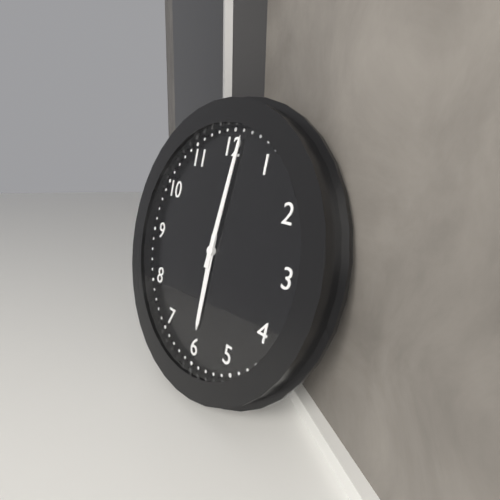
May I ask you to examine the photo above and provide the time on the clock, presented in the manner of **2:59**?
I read **6:01**
